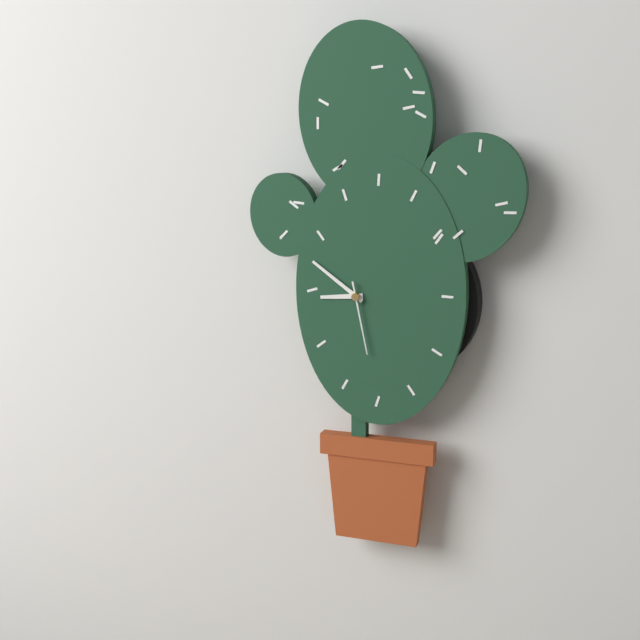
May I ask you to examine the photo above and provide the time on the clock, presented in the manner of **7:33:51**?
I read **8:51:28**
